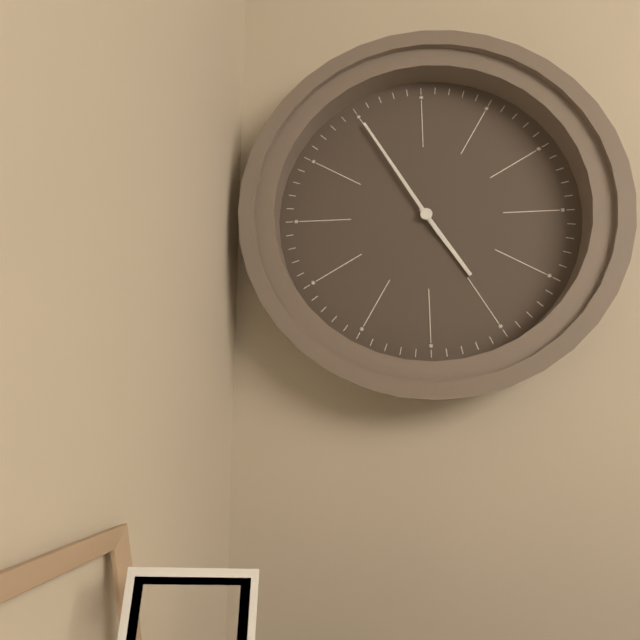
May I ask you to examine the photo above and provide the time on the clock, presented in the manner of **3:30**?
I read **4:55**
